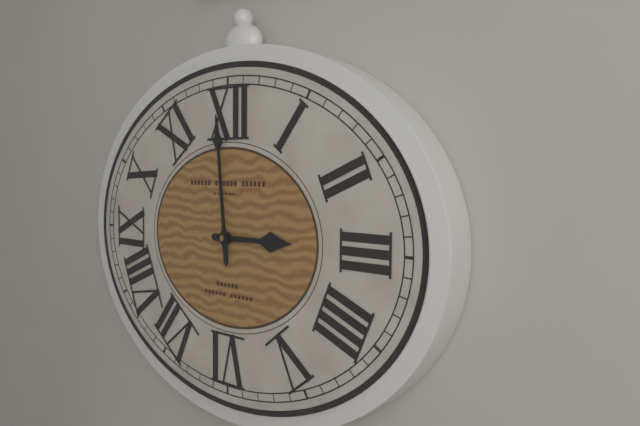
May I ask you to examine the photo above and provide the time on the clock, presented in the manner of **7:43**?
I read **2:59**
